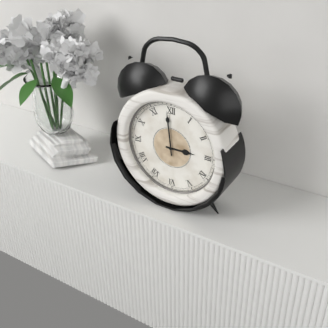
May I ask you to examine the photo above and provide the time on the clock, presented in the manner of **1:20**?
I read **2:59**
